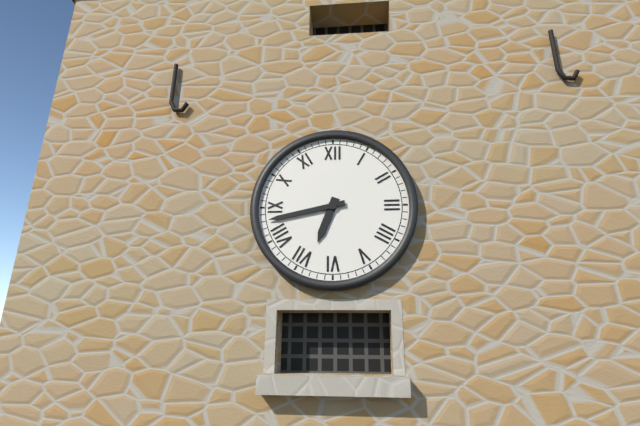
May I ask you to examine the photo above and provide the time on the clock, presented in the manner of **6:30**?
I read **6:43**
